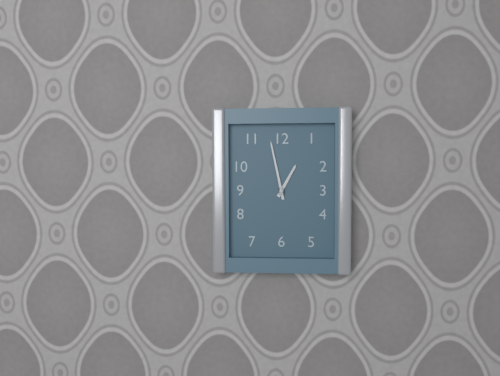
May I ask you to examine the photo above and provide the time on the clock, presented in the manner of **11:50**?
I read **12:58**
